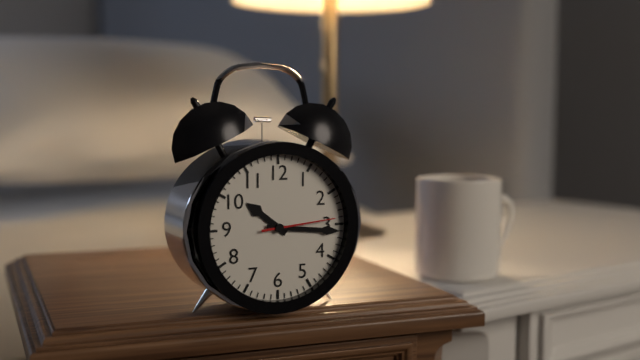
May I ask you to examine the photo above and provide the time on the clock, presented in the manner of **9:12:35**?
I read **10:16:14**
